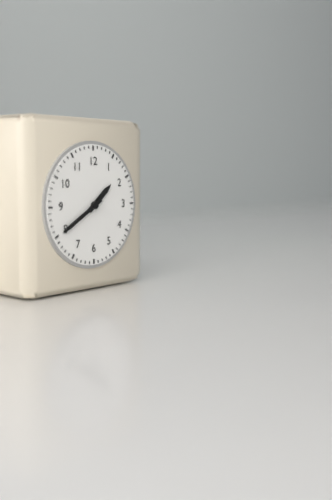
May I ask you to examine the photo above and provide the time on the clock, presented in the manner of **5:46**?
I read **1:40**
